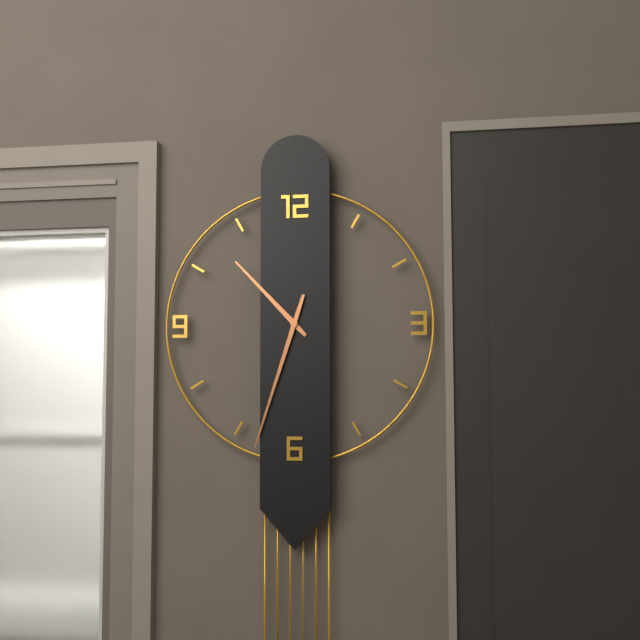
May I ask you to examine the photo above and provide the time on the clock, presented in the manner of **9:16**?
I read **10:33**
